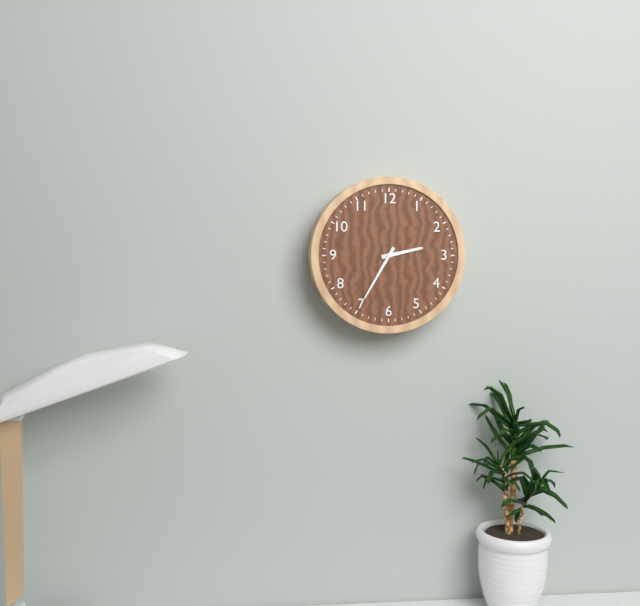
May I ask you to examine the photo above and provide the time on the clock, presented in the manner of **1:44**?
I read **2:35**
